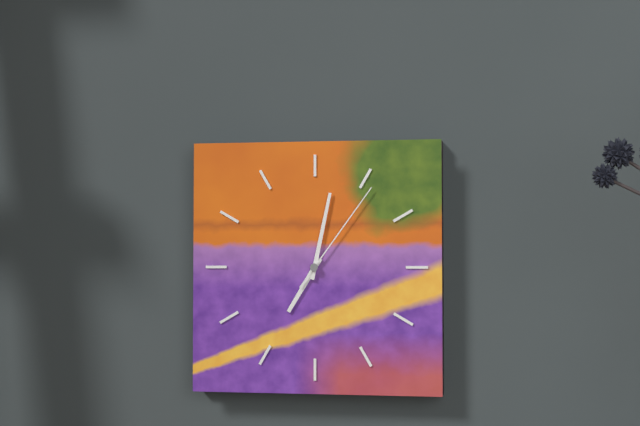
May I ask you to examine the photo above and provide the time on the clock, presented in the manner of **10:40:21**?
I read **7:02:06**
